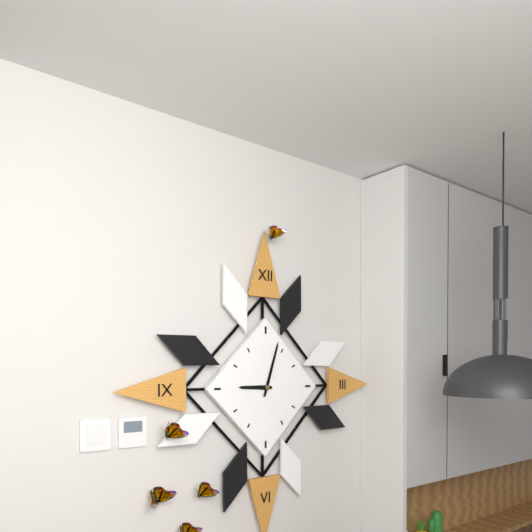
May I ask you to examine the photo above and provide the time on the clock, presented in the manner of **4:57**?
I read **9:03**
